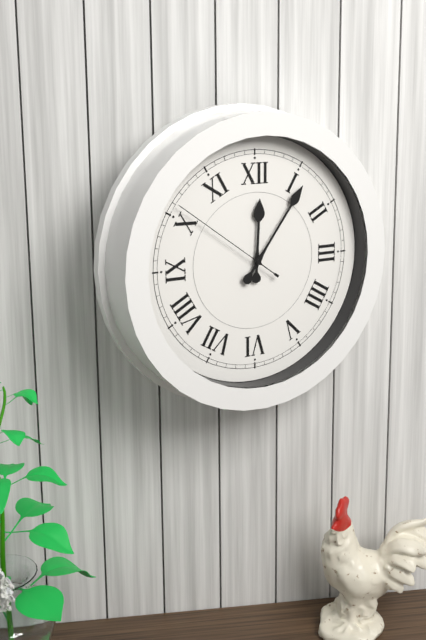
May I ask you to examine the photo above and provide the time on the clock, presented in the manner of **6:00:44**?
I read **12:06:51**
